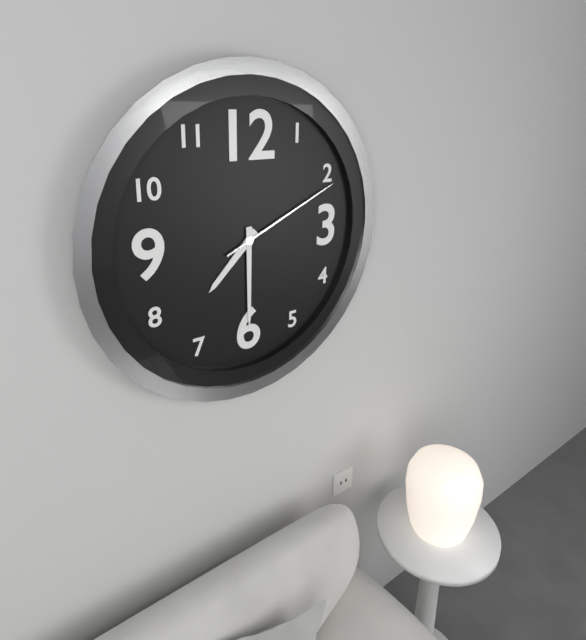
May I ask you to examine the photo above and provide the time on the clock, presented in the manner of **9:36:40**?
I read **7:30:11**
